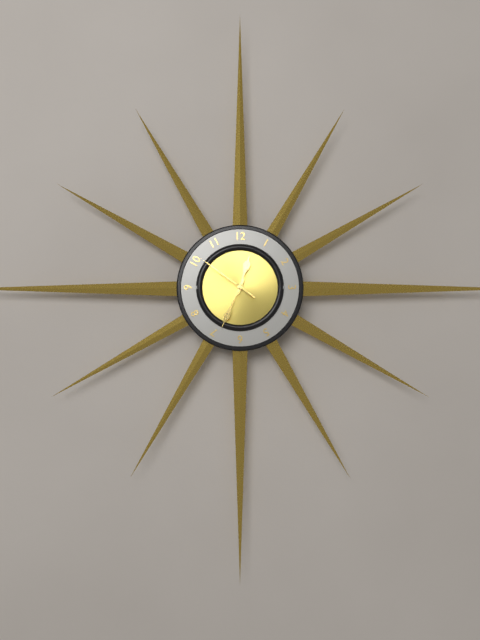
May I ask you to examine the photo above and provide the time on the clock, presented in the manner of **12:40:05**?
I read **12:34:51**
